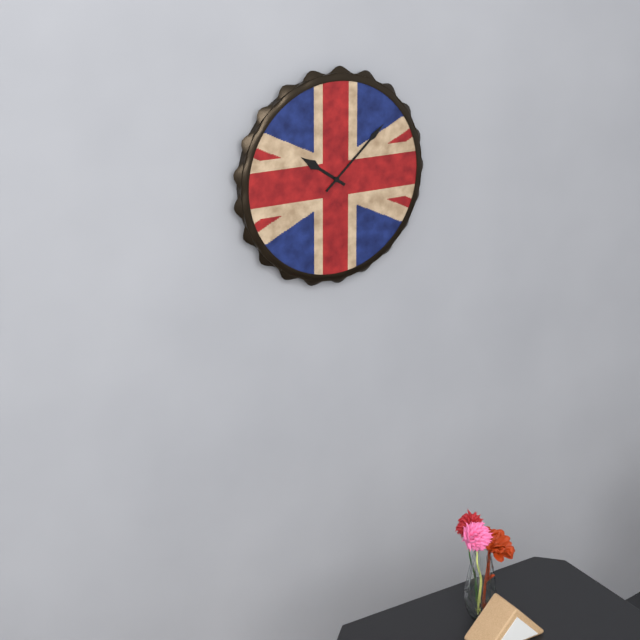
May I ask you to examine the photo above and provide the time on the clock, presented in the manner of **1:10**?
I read **10:08**
